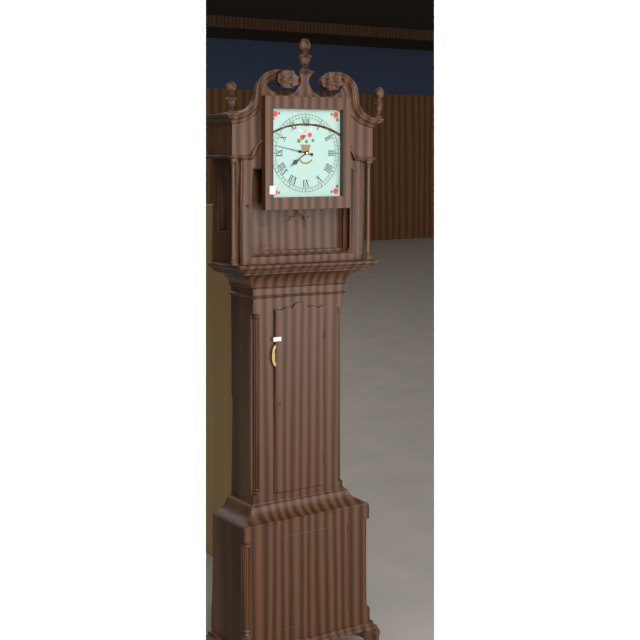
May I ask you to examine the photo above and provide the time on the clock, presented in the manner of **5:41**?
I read **7:47**
